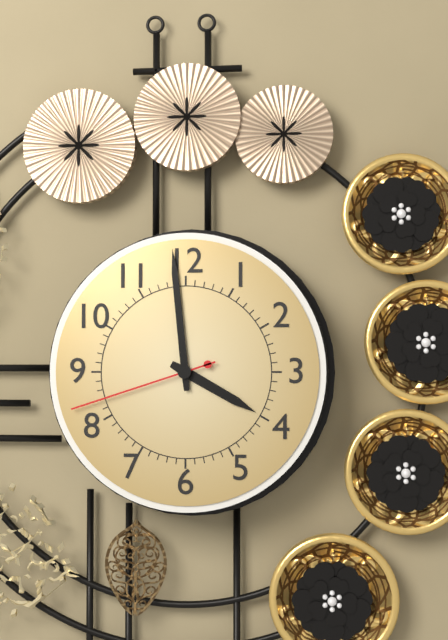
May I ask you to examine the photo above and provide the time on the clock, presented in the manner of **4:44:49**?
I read **3:59:42**
